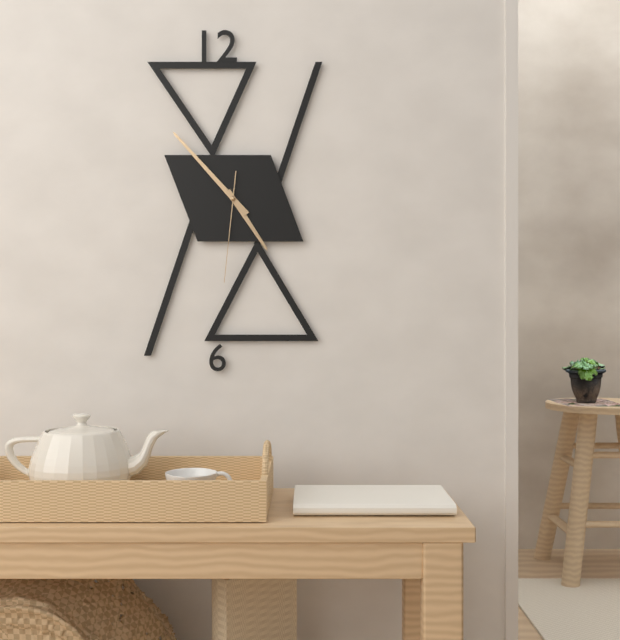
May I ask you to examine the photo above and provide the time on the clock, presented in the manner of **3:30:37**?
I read **4:53:31**
